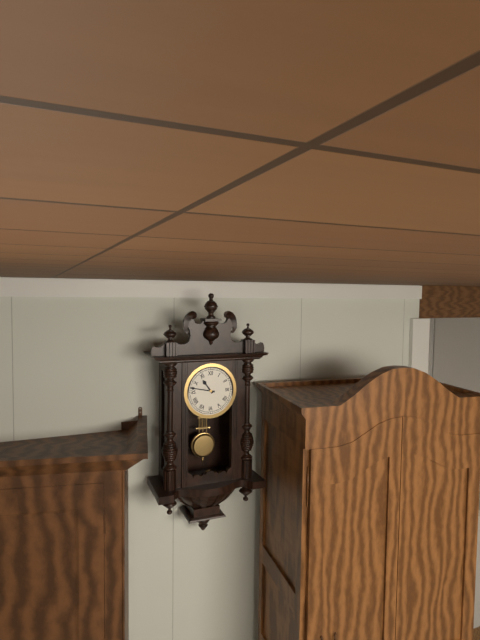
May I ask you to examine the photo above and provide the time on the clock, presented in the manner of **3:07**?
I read **10:47**
